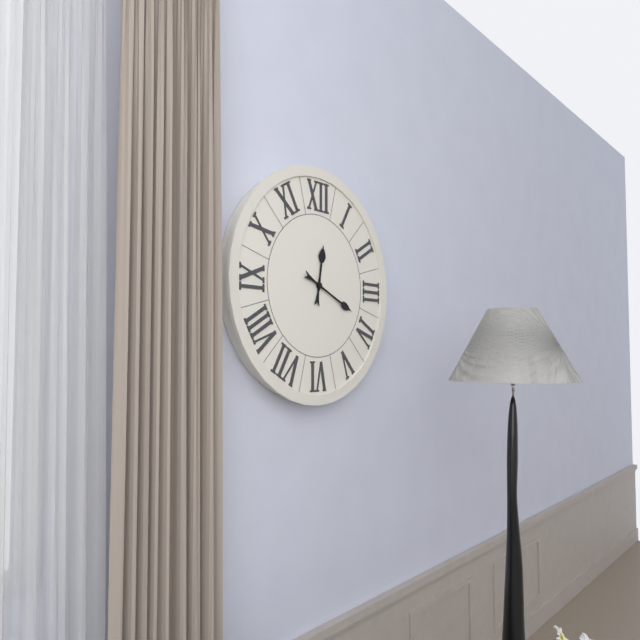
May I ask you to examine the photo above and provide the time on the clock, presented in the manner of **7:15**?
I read **12:19**
